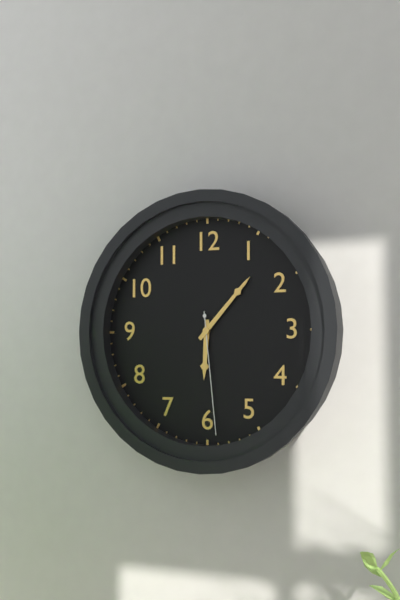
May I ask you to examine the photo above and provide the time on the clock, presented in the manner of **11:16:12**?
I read **6:07:29**
